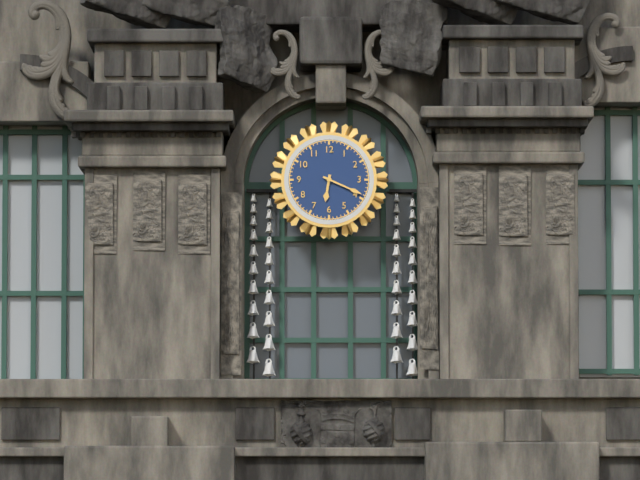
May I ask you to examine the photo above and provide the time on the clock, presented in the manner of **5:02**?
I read **6:19**
